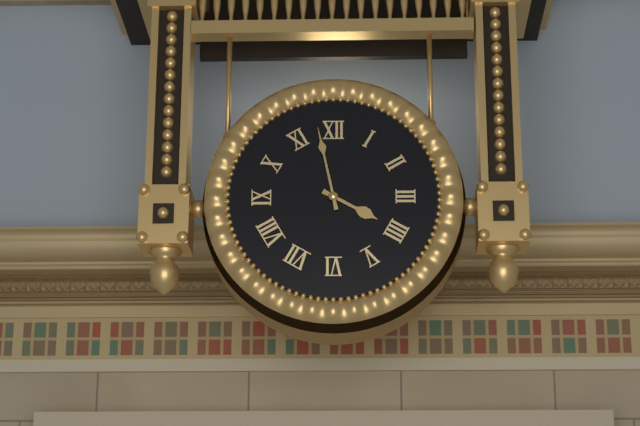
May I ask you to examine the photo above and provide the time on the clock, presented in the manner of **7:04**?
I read **3:58**
